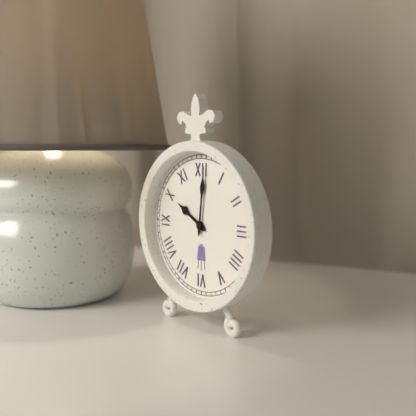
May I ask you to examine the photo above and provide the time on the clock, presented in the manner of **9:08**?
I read **10:01**
